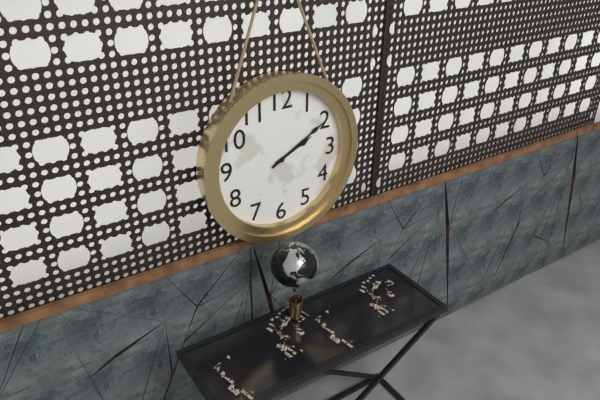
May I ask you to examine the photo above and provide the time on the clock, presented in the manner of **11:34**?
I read **2:10**
